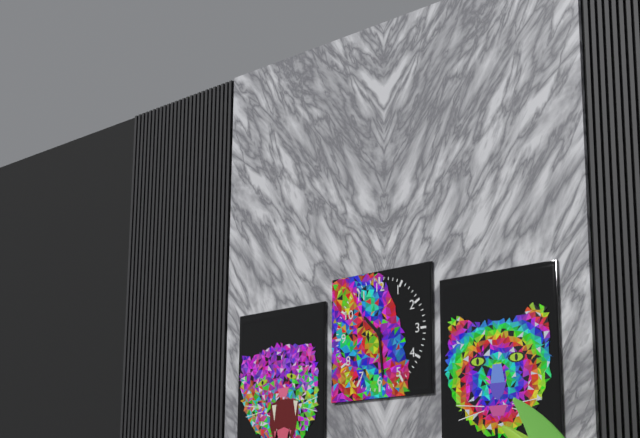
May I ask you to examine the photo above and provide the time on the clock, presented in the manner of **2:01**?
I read **10:29**
